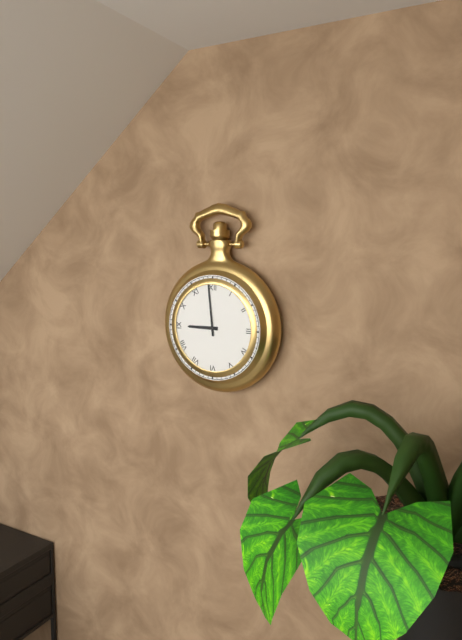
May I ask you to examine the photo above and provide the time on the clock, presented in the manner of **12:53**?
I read **8:59**
